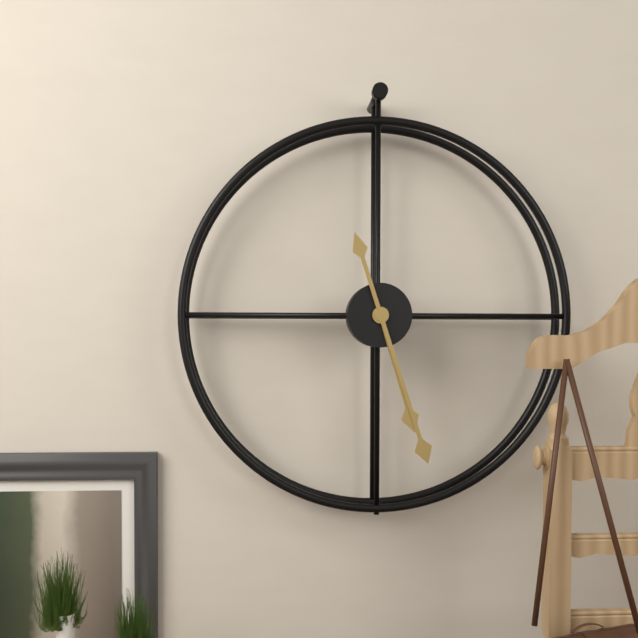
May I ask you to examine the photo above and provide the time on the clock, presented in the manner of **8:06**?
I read **5:27**
